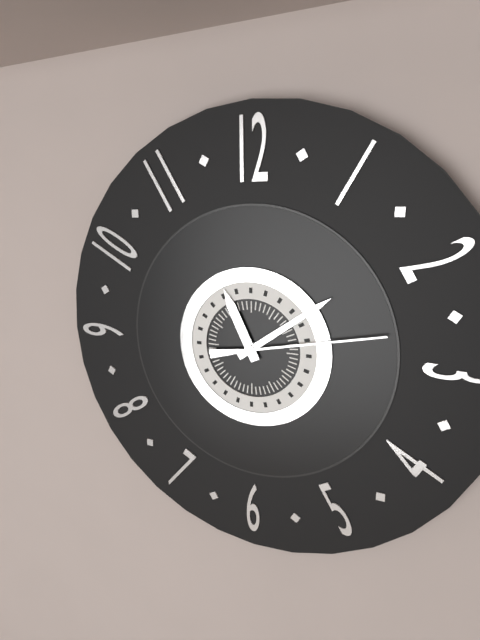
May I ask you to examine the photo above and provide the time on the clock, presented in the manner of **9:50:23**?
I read **11:09:13**
